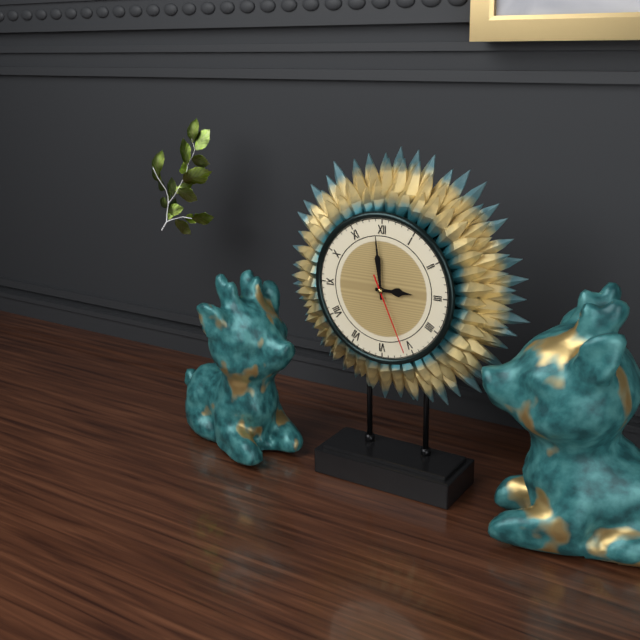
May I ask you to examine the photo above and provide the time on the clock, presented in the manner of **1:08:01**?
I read **2:59:26**
